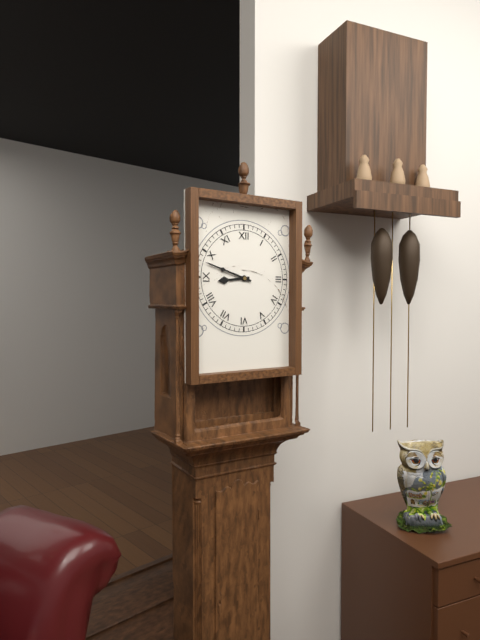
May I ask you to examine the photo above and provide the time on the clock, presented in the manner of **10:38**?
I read **8:48**
